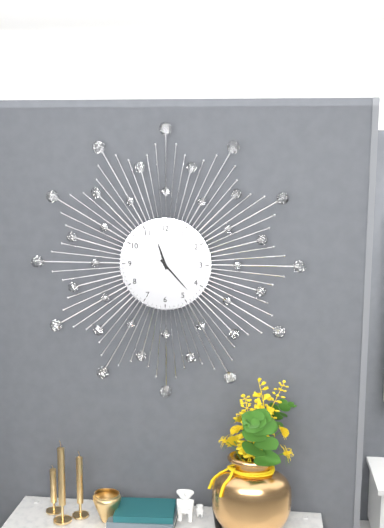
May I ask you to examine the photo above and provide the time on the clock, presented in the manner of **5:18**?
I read **11:23**
